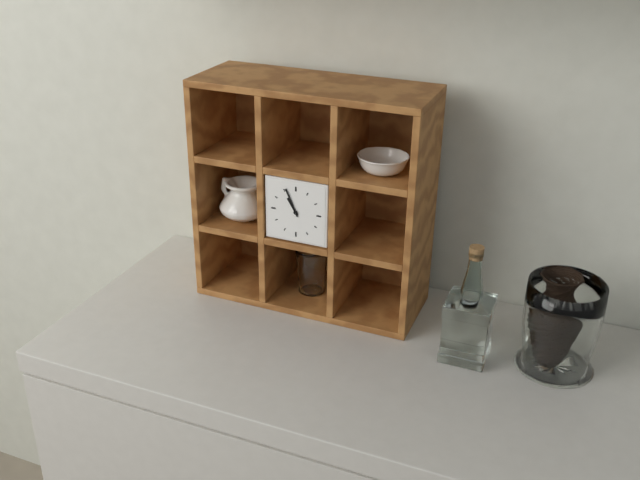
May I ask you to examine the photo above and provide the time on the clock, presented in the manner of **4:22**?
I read **10:56**
